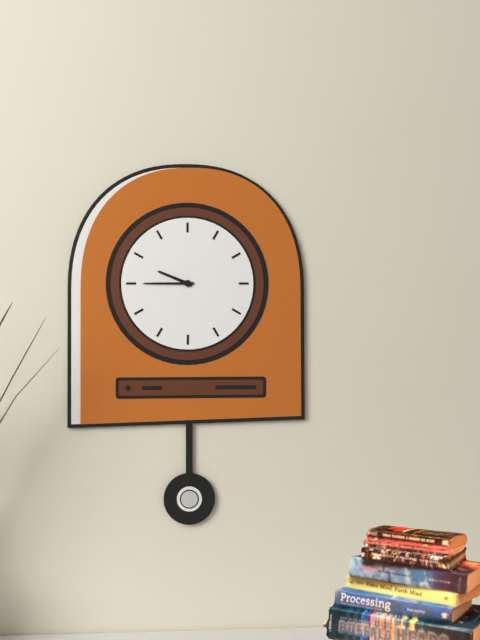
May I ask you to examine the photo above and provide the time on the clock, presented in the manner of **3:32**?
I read **9:45**
